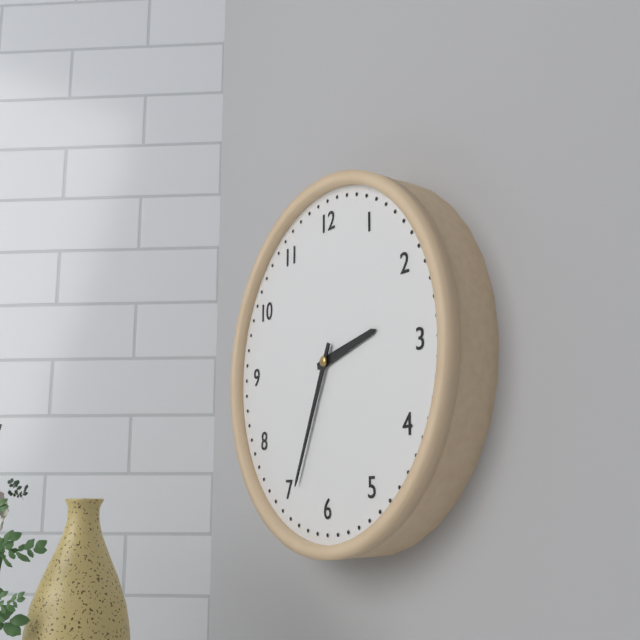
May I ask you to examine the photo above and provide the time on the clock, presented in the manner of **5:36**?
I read **2:34**
